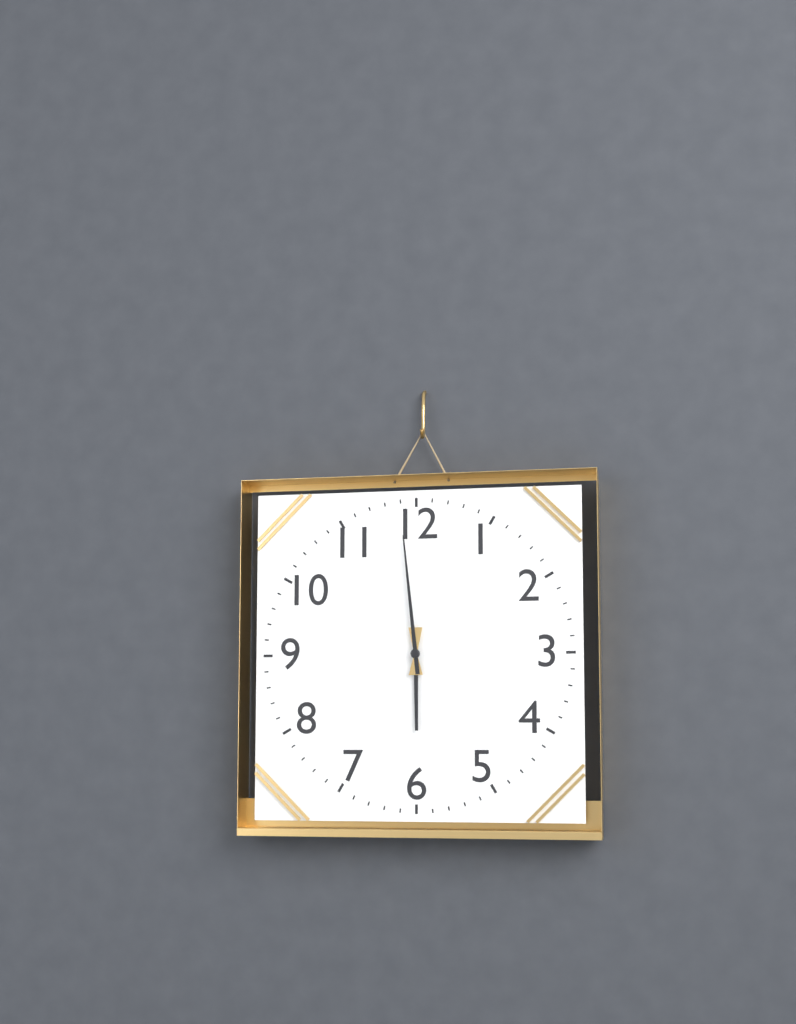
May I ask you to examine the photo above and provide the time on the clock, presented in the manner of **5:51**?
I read **5:59**
